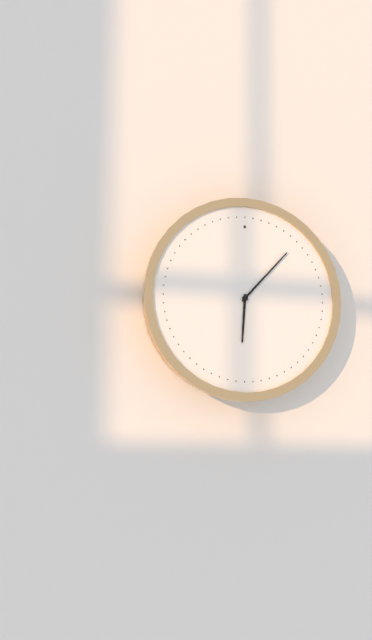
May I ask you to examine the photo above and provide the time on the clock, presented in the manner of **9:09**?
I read **6:07**
